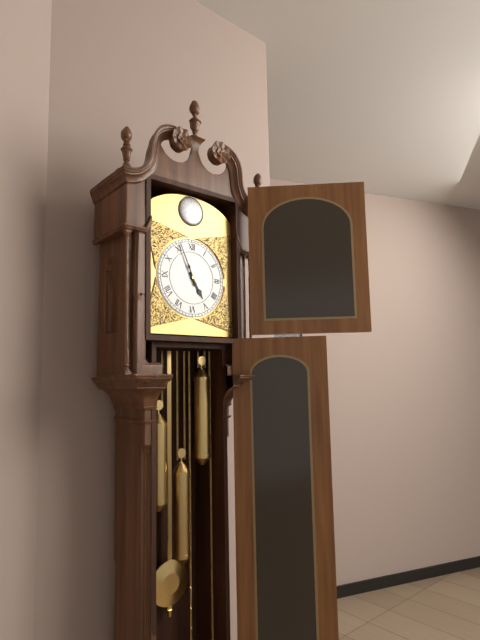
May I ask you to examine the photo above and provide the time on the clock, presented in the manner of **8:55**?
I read **4:56**
